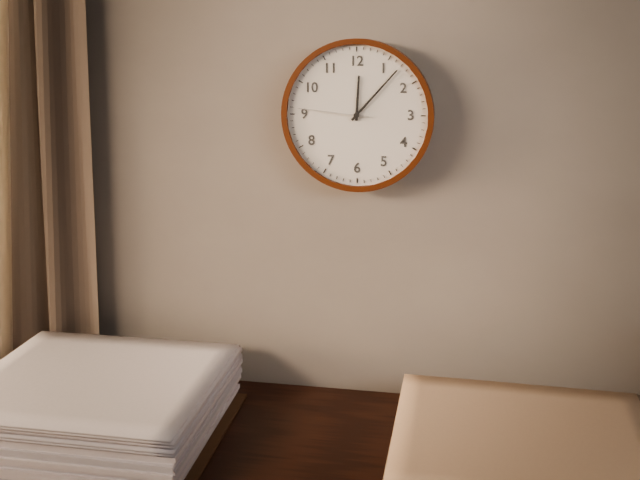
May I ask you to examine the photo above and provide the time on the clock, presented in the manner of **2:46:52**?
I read **12:07:46**
